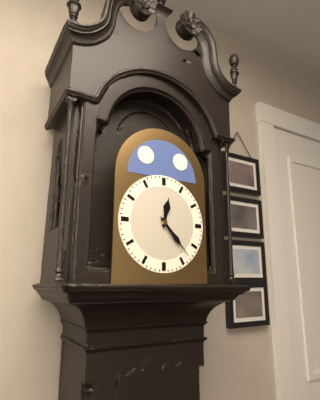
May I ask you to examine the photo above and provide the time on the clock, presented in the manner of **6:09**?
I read **12:23**
